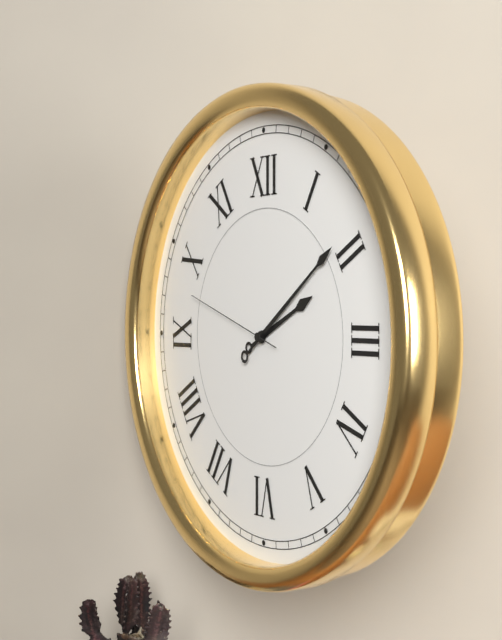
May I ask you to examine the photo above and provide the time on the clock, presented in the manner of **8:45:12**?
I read **2:09:48**
